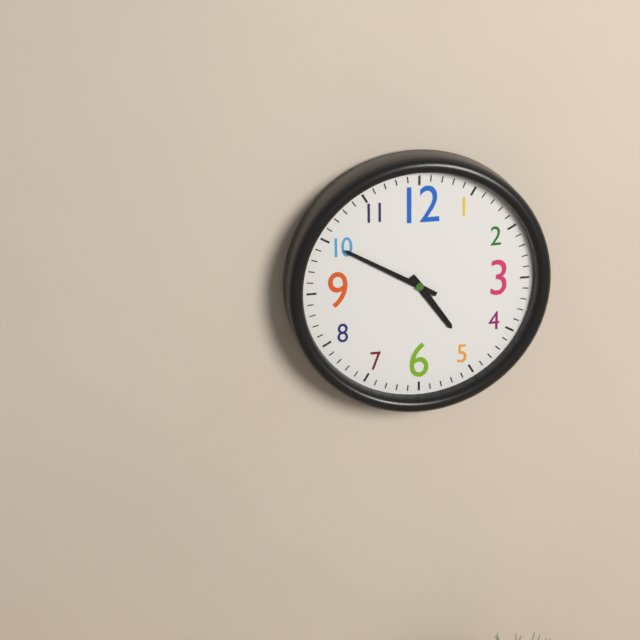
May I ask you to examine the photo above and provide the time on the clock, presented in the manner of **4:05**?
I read **4:50**
